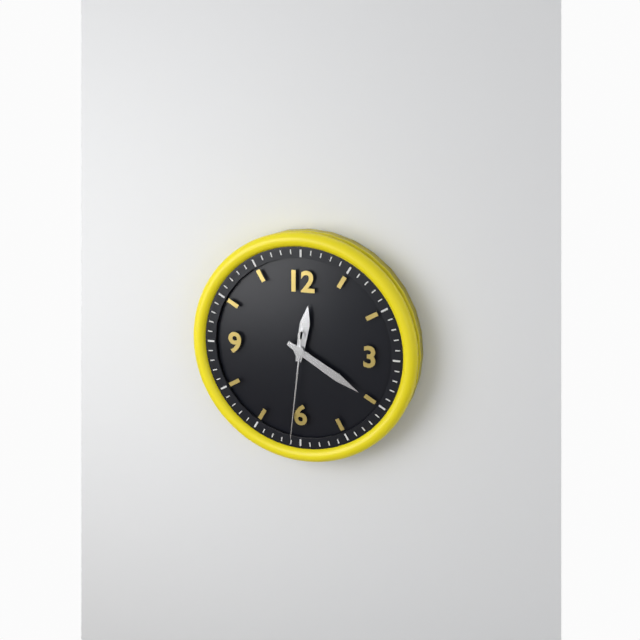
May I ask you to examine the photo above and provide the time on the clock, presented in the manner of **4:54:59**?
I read **12:20:31**
